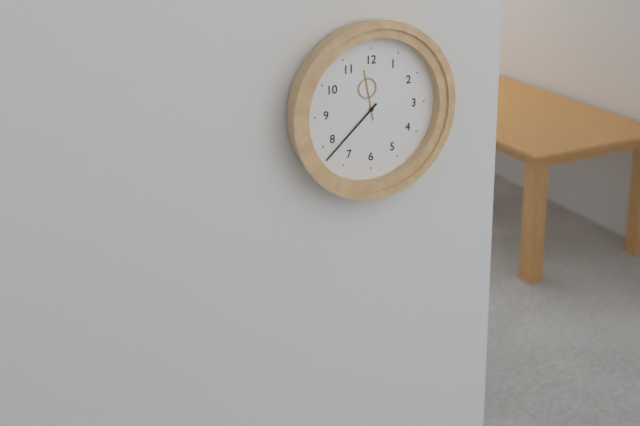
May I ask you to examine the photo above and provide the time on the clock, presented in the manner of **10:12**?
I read **11:38**
